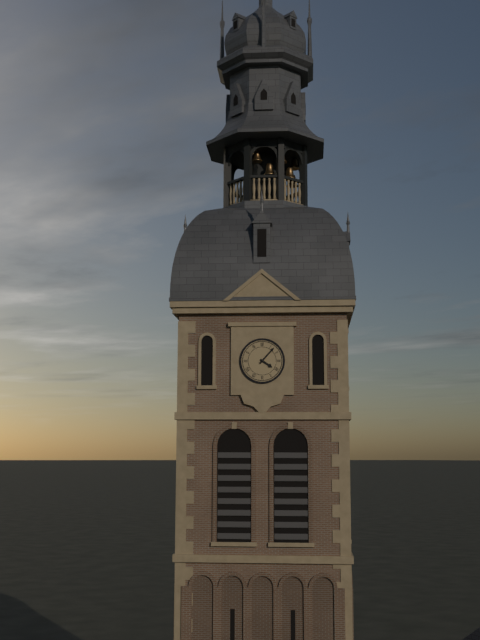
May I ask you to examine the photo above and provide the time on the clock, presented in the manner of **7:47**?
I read **4:07**
